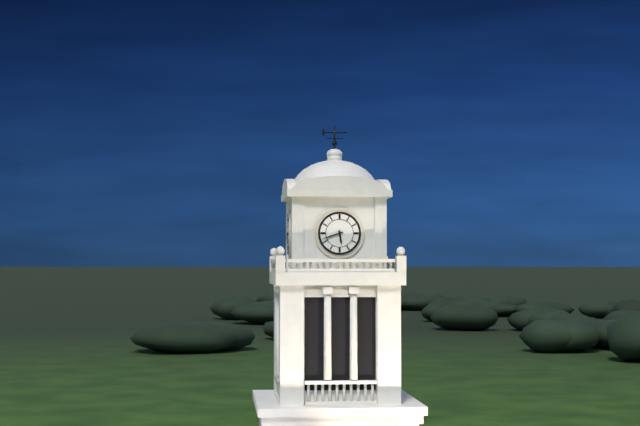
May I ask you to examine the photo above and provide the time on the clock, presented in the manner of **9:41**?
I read **5:42**
